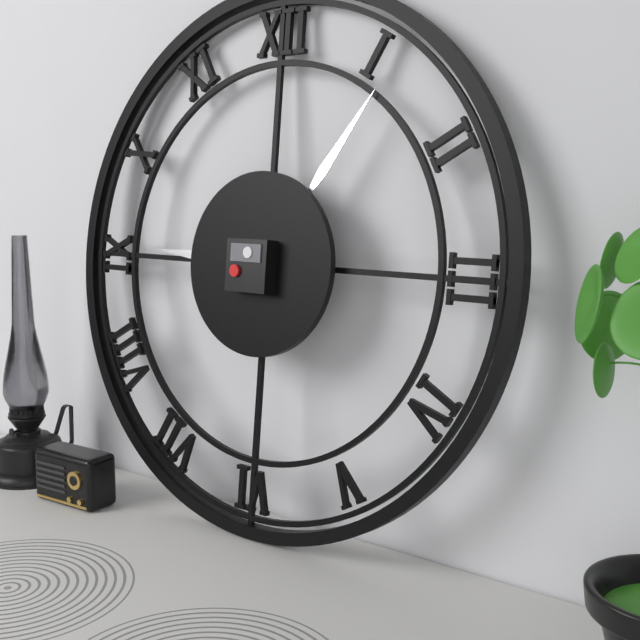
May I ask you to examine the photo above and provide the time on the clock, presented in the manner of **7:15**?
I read **9:06**
